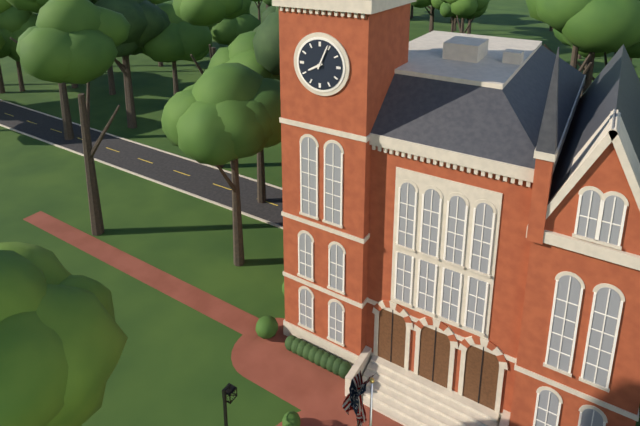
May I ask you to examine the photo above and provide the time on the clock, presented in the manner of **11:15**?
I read **8:04**
